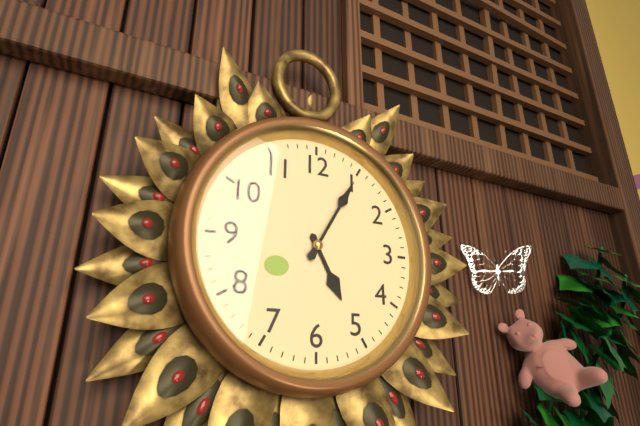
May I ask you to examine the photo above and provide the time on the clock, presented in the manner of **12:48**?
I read **5:05**
